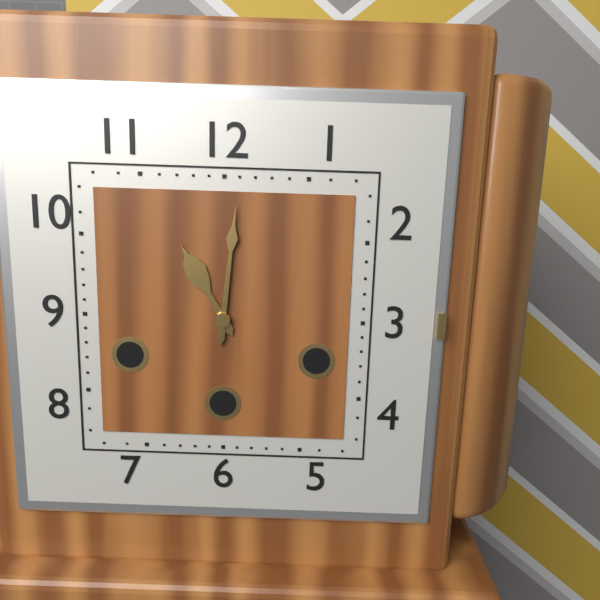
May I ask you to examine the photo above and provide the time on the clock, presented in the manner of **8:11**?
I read **11:01**
